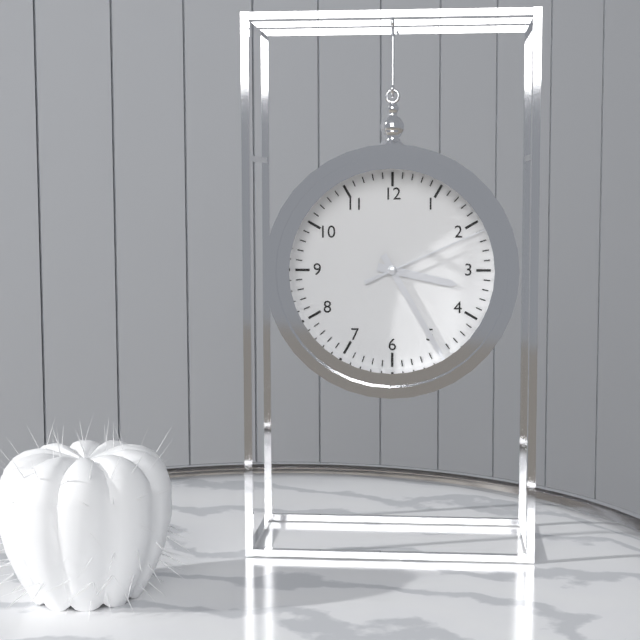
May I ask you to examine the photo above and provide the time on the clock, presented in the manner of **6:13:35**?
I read **3:25:11**
